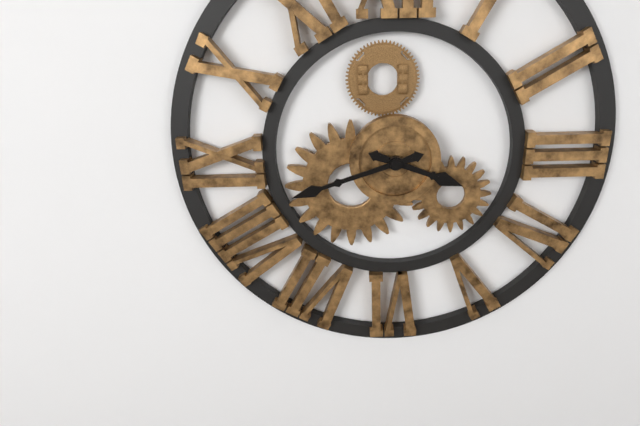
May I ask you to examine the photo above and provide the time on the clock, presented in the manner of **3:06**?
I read **3:42**
